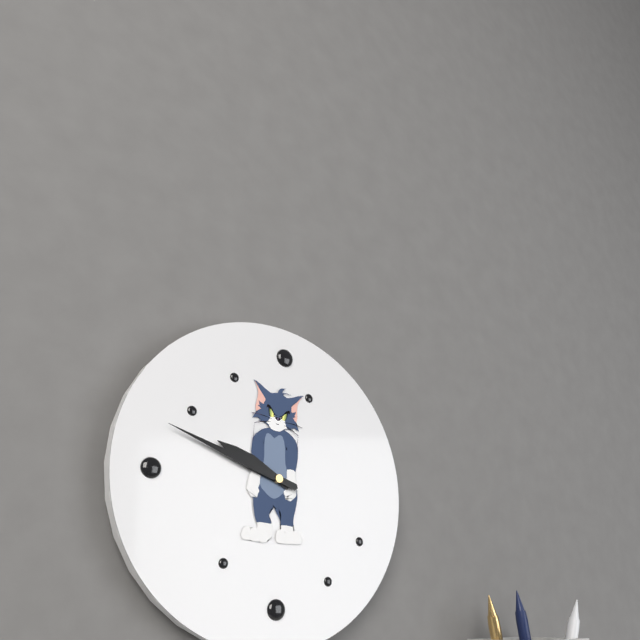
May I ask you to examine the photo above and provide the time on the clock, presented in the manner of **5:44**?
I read **9:48**
